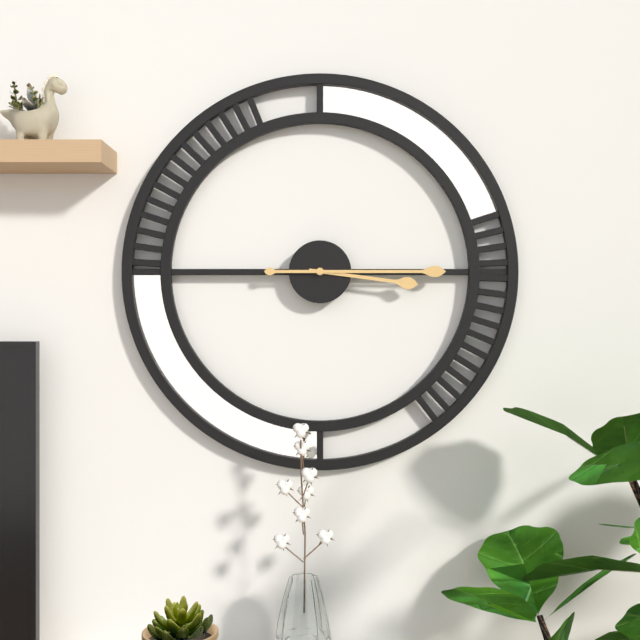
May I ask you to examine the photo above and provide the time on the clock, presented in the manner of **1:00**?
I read **3:15**
